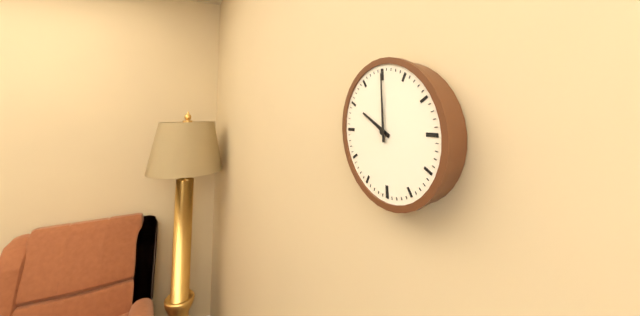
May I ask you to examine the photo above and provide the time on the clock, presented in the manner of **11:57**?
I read **10:00**
